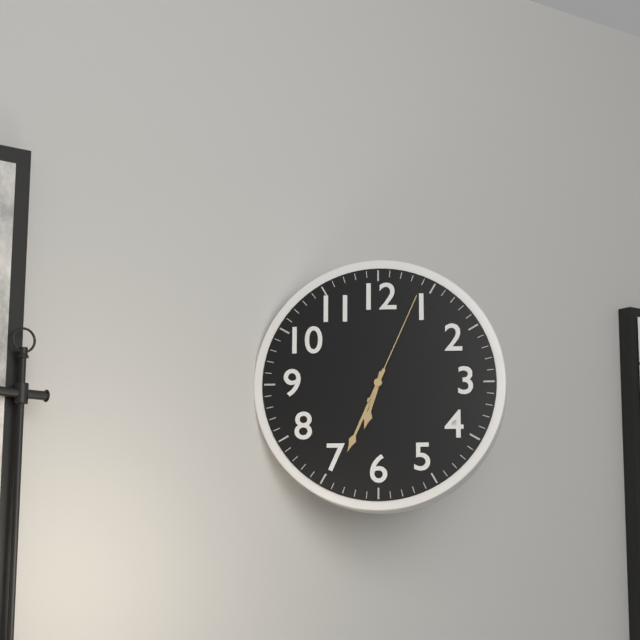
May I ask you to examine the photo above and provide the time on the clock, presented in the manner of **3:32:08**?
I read **6:34:04**
